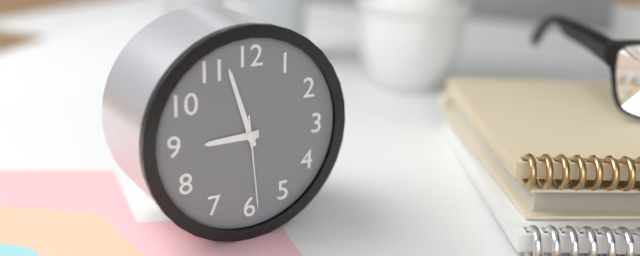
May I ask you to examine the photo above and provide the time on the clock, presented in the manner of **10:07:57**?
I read **8:57:29**
